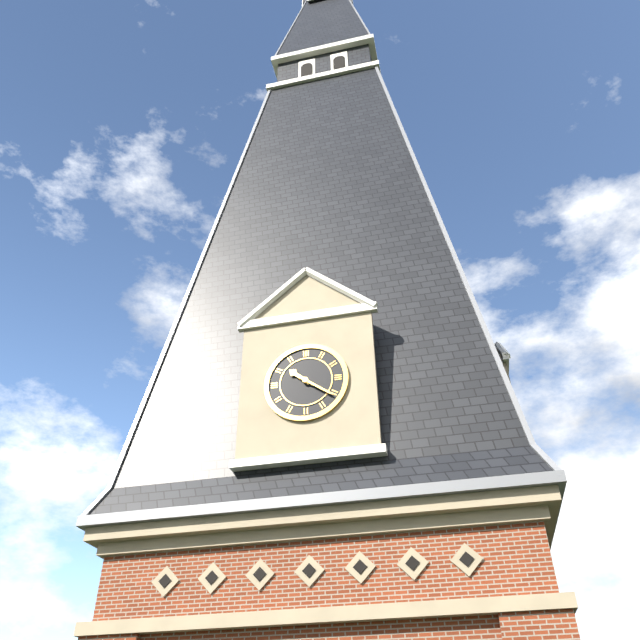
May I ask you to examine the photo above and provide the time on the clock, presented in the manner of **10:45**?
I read **10:21**
